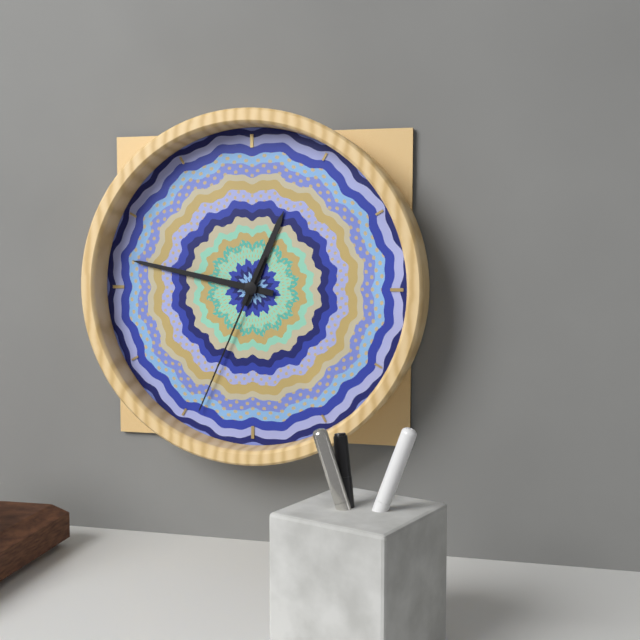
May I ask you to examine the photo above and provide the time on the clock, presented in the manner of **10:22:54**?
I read **12:47:34**
